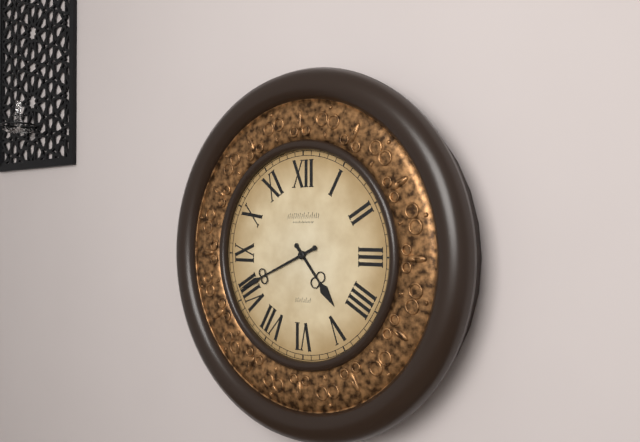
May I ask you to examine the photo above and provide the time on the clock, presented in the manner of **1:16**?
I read **4:41**
